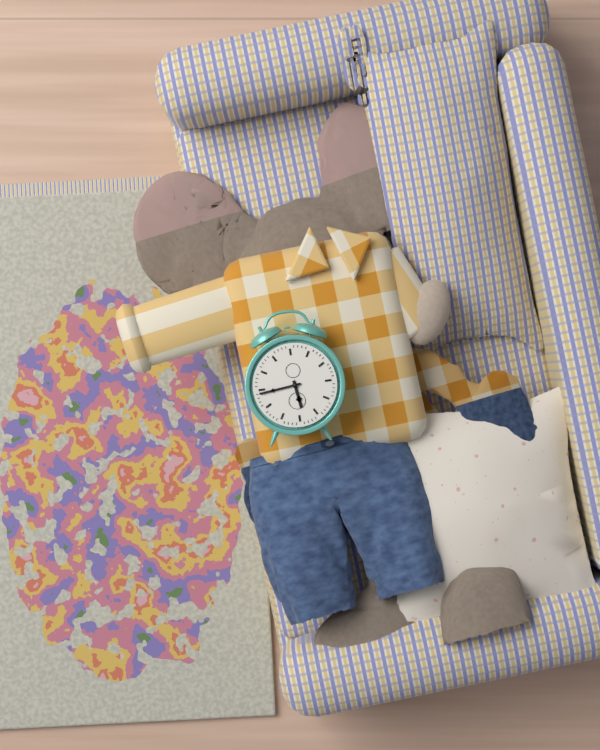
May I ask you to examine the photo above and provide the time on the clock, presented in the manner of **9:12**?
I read **5:44**
